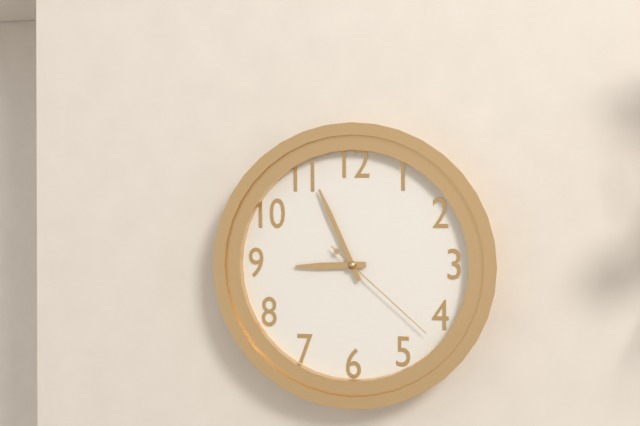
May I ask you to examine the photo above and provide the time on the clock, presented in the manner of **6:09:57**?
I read **8:56:22**
